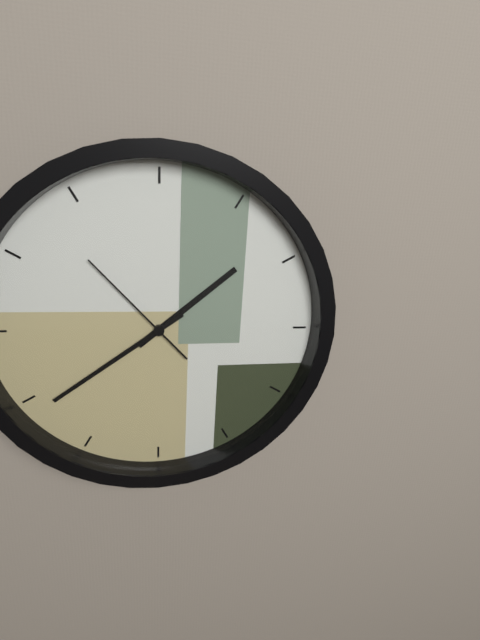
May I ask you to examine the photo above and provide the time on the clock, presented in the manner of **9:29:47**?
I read **1:39:53**
